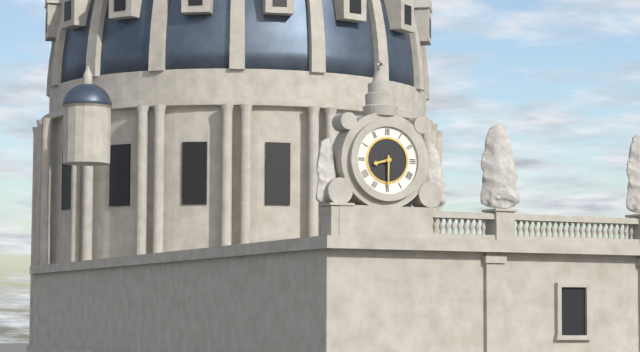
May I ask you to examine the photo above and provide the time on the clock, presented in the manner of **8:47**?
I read **8:30**
